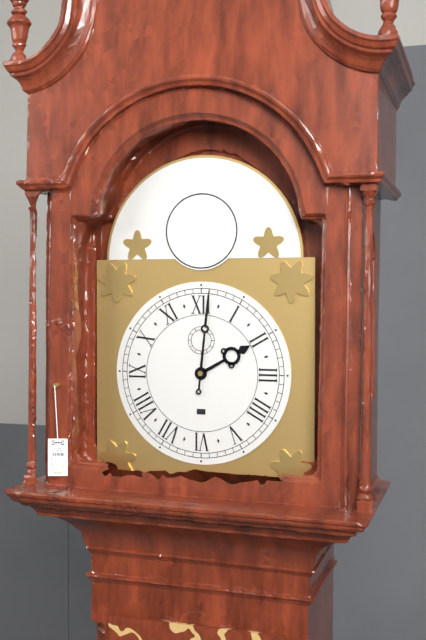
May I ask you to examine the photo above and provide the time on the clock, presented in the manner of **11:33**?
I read **2:01**
